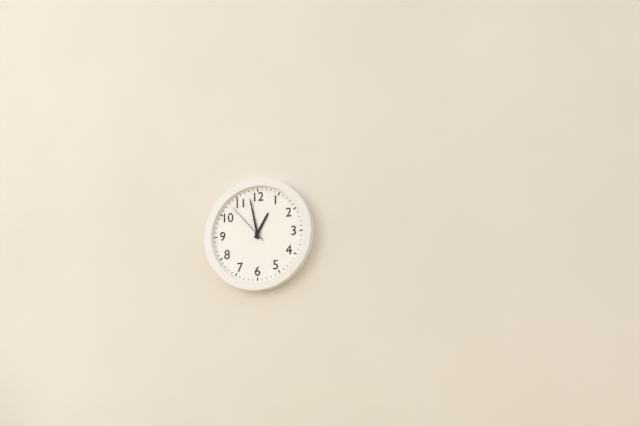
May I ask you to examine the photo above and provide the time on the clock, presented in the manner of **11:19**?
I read **12:58**
